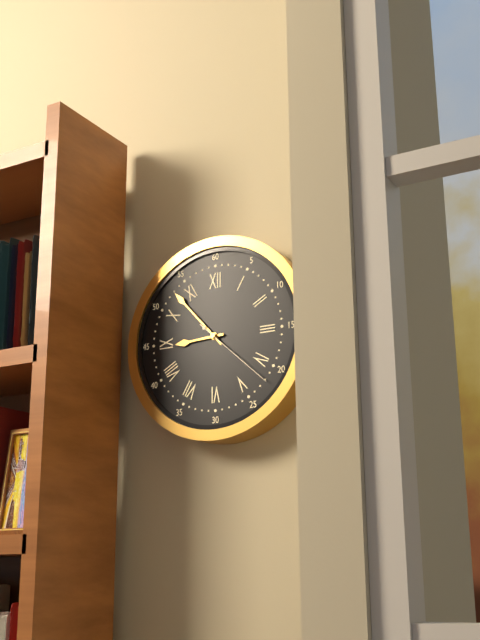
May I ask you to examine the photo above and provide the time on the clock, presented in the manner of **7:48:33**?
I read **8:53:22**
